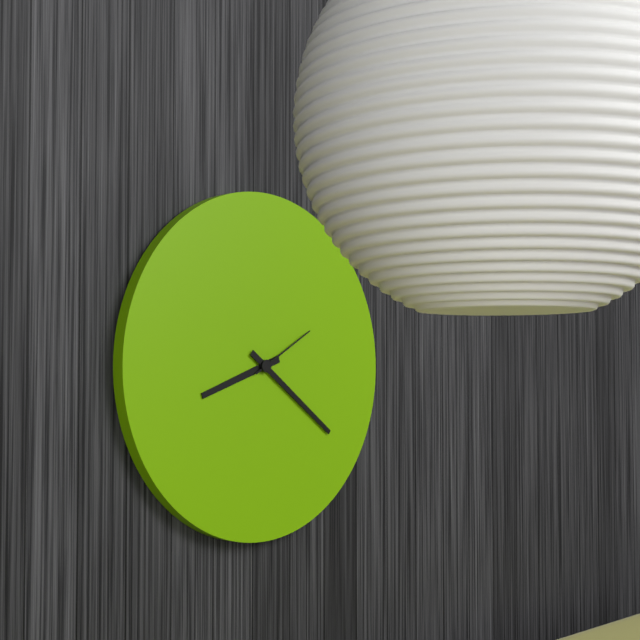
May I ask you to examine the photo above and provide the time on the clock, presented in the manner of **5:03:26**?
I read **8:21:10**
